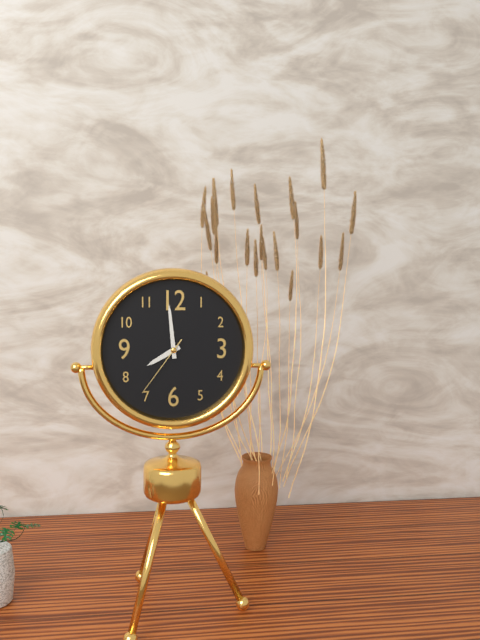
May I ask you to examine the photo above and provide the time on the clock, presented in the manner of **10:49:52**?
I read **7:59:36**
